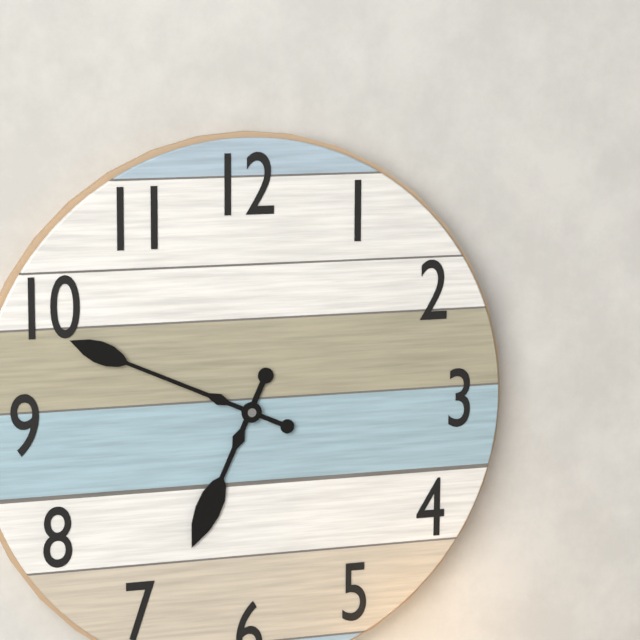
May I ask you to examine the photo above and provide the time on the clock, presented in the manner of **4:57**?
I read **6:49**
